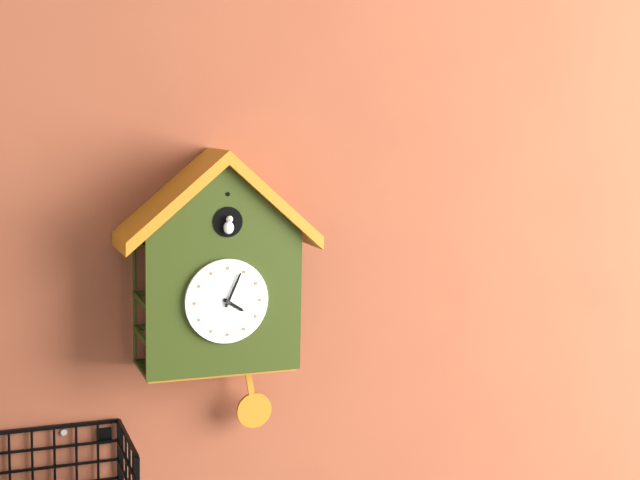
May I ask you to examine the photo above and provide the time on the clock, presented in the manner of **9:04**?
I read **4:04**
